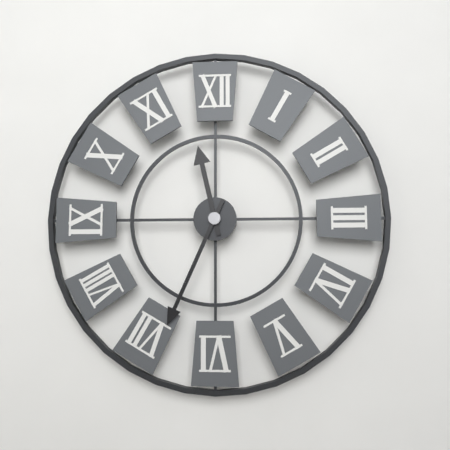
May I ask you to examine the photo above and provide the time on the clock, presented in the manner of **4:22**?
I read **11:34**
